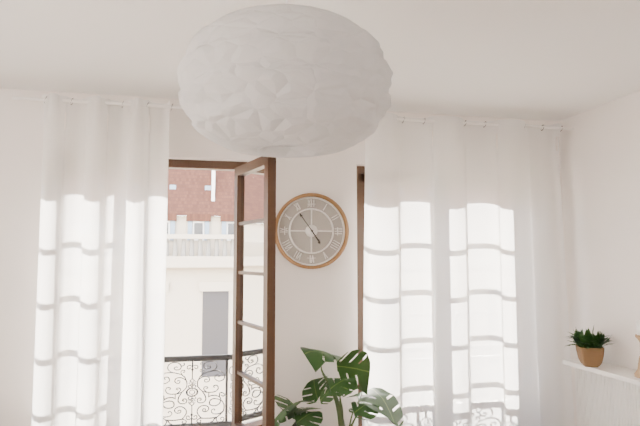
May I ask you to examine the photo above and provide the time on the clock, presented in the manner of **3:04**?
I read **4:54**
